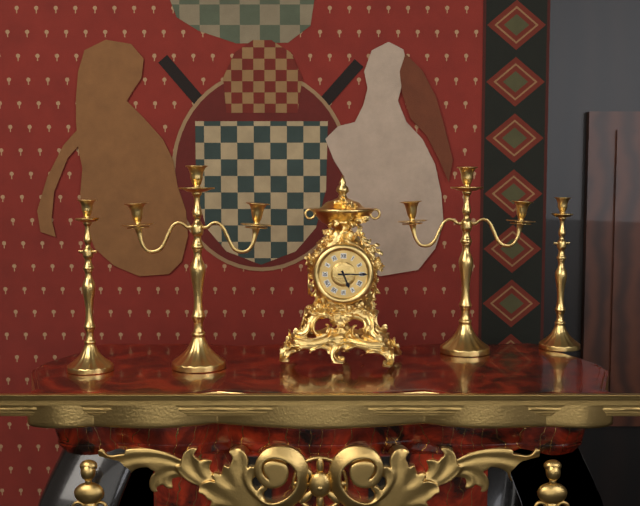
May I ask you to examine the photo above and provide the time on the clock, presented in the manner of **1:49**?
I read **5:15**
